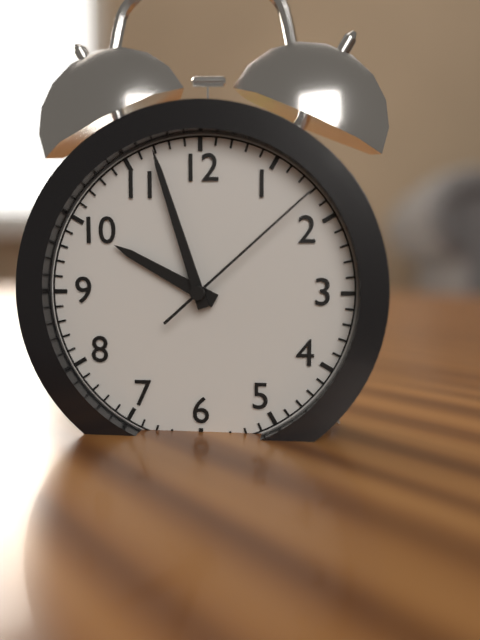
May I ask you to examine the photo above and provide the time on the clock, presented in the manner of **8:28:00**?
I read **9:57:08**
